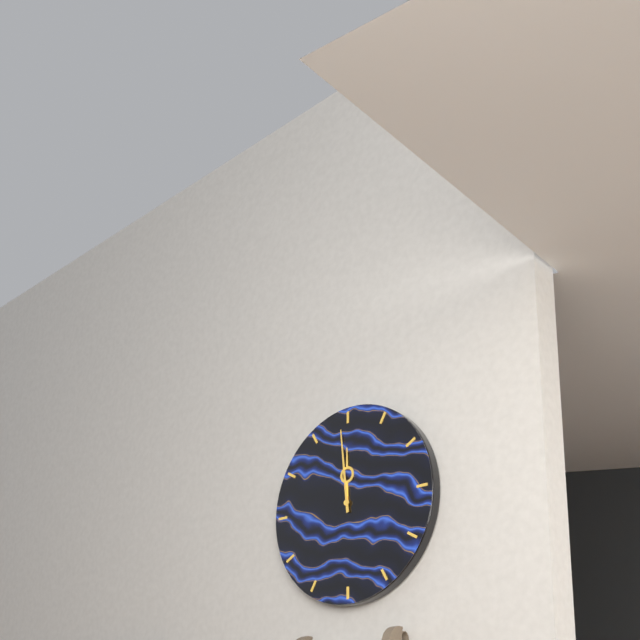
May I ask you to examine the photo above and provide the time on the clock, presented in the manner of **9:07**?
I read **11:59**
